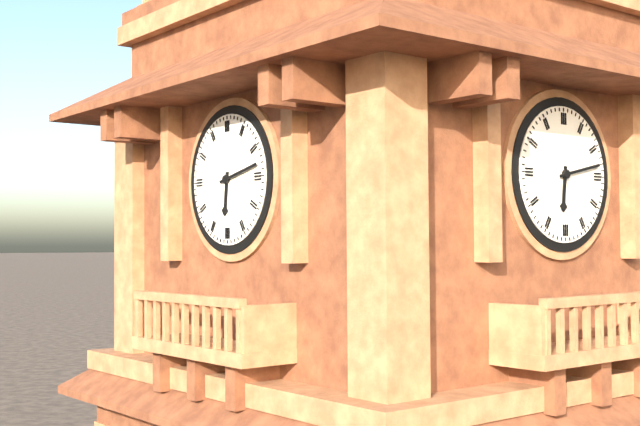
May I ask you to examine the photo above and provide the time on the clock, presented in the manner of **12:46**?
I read **6:13**
